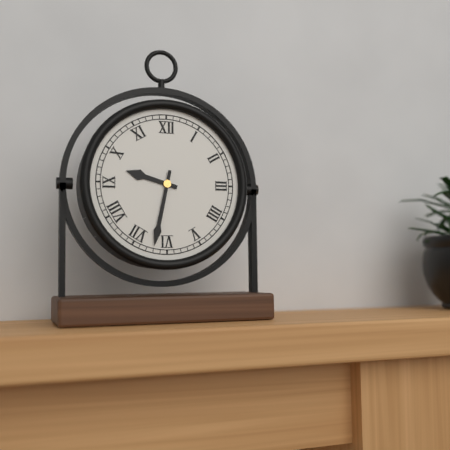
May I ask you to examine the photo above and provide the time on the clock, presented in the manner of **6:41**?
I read **9:32**
